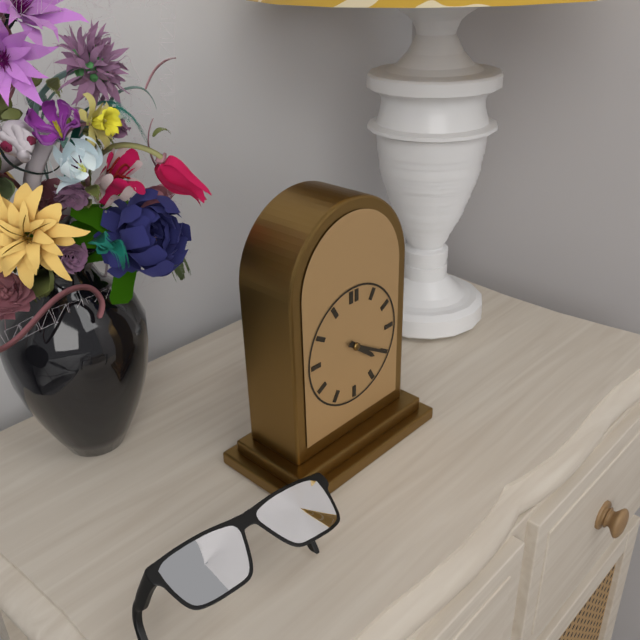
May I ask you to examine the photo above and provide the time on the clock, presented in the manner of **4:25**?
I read **4:20**
